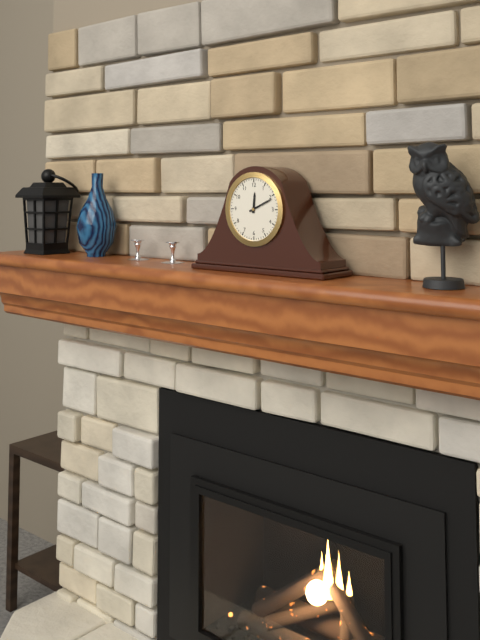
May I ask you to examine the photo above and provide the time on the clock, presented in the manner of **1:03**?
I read **12:11**
